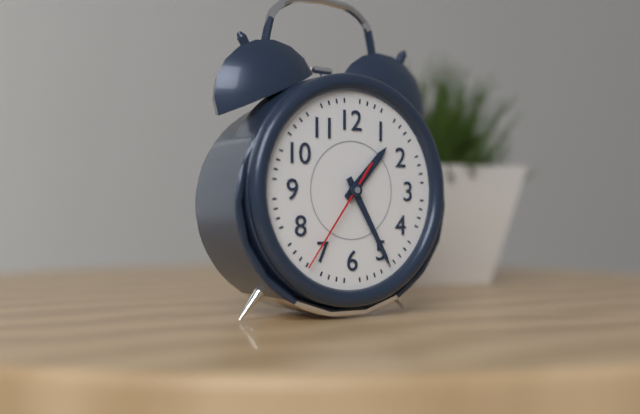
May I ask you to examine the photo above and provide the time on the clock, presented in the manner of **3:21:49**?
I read **1:25:36**
